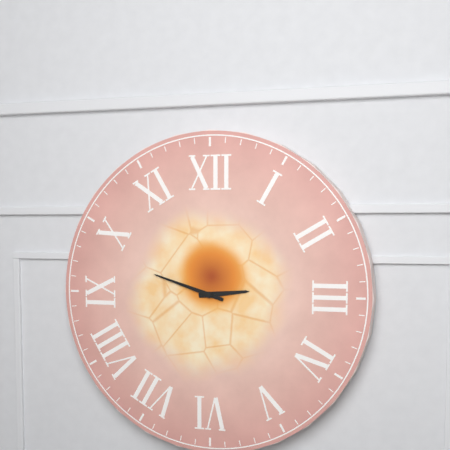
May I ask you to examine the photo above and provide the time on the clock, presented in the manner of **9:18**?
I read **2:48**
